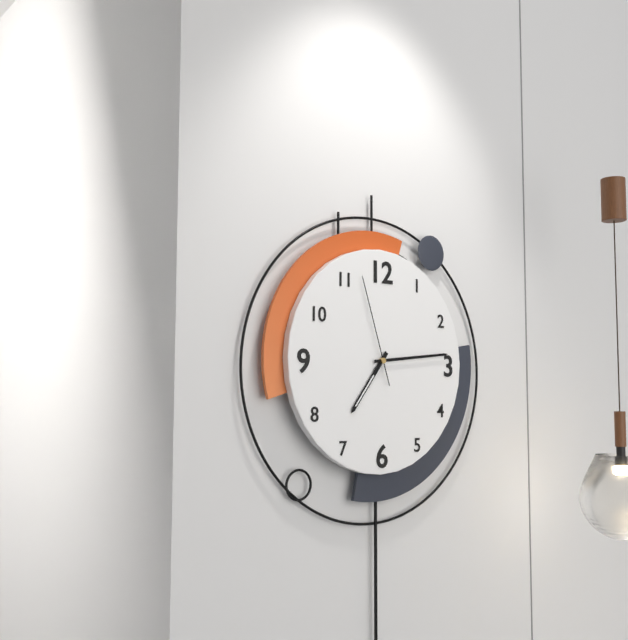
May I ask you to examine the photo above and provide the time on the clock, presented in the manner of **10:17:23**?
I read **7:14:57**
